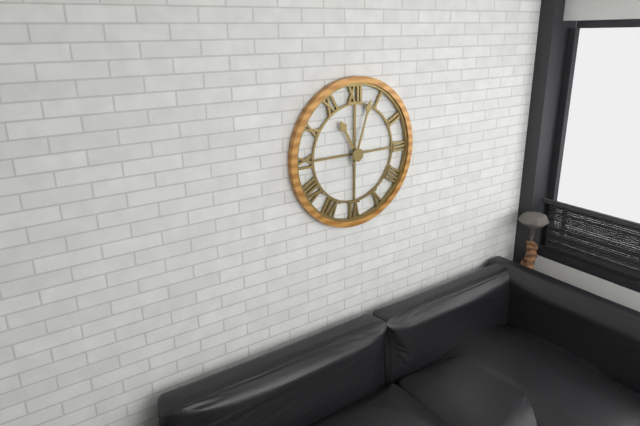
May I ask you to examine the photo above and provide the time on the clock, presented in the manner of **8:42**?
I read **11:03**
